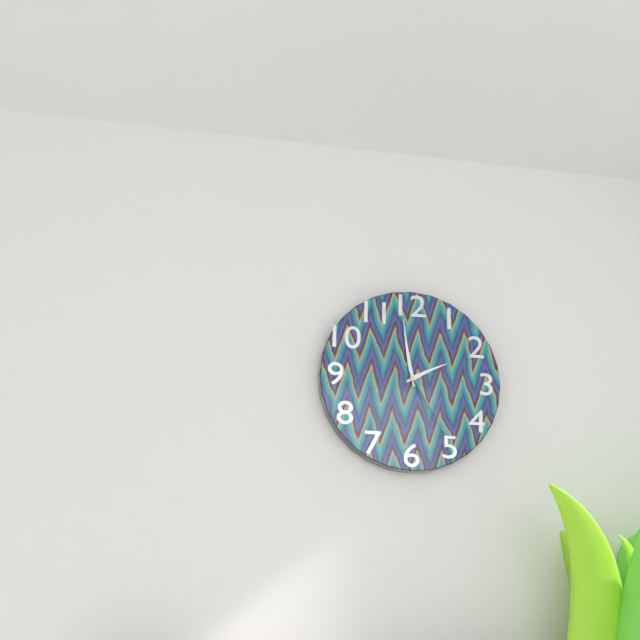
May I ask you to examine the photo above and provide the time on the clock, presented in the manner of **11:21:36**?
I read **1:58:25**
